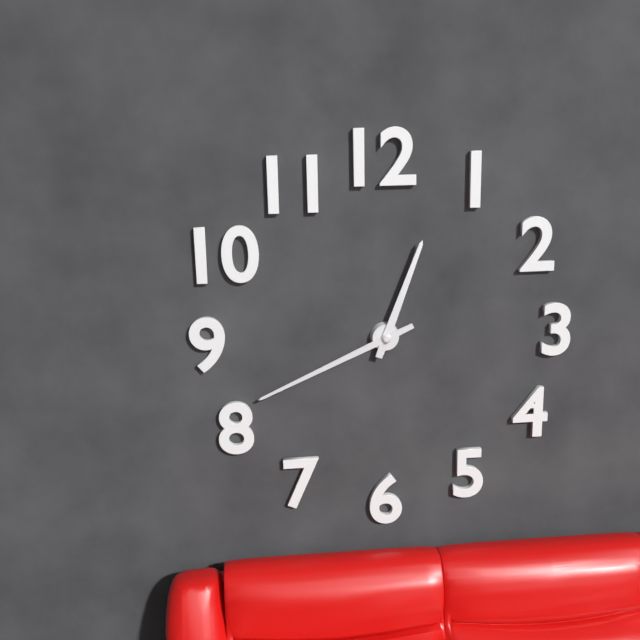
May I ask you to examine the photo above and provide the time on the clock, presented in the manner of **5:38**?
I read **12:41**
